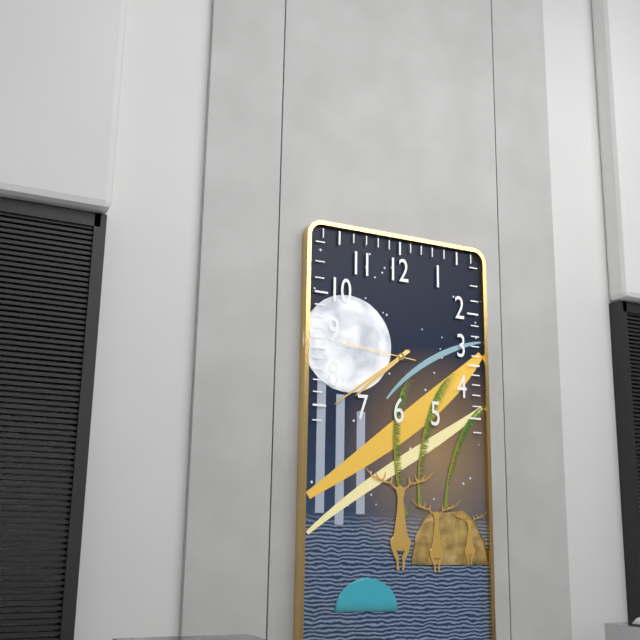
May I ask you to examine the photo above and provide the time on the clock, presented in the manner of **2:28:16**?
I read **7:39:46**
